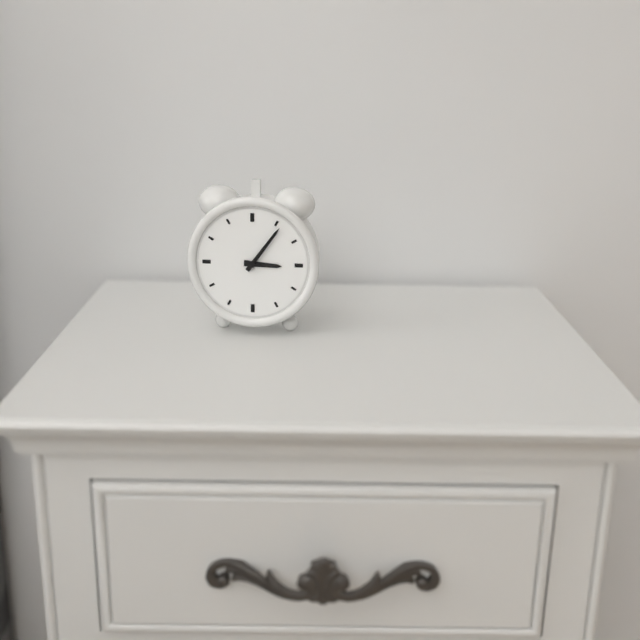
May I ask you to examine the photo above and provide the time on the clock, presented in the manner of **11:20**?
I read **3:06**
